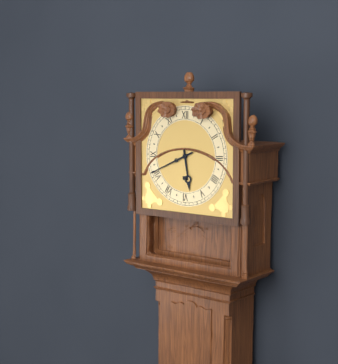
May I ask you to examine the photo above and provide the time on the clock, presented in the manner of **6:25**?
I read **5:41**
